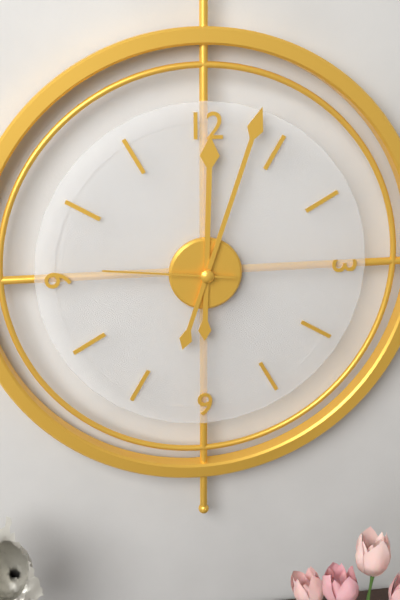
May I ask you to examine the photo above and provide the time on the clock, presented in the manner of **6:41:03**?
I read **12:03:46**
